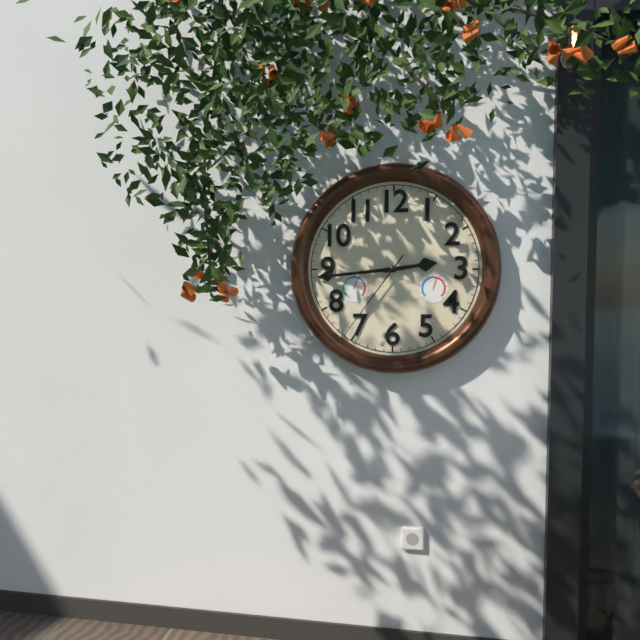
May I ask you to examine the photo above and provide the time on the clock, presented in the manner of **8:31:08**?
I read **2:44:36**
